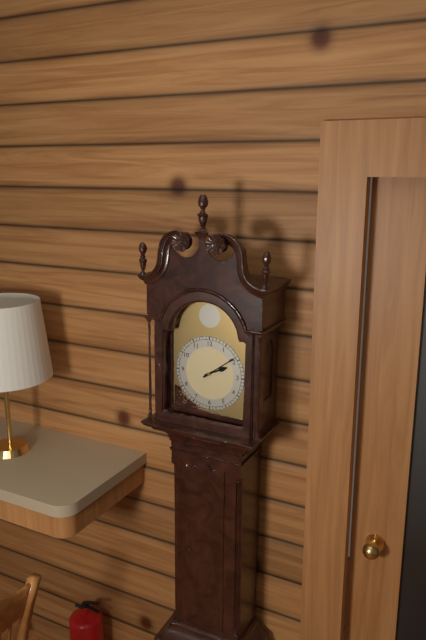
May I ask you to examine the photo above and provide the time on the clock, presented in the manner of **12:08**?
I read **2:09**
